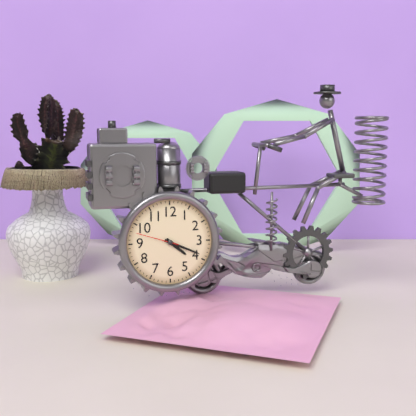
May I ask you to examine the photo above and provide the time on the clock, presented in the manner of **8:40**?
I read **4:19**
